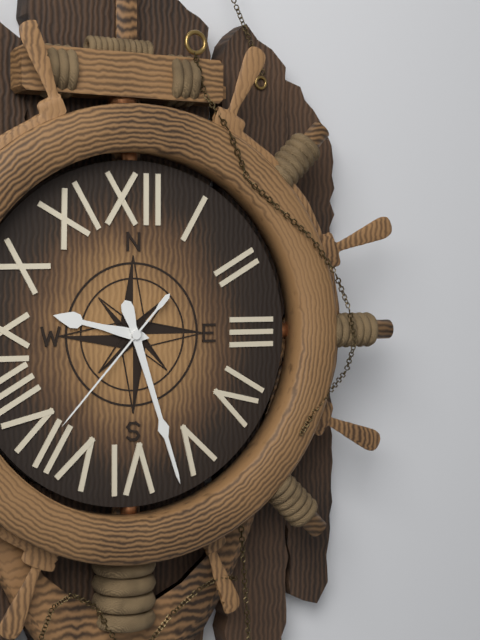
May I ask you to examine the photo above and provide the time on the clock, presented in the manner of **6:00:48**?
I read **9:27:37**
